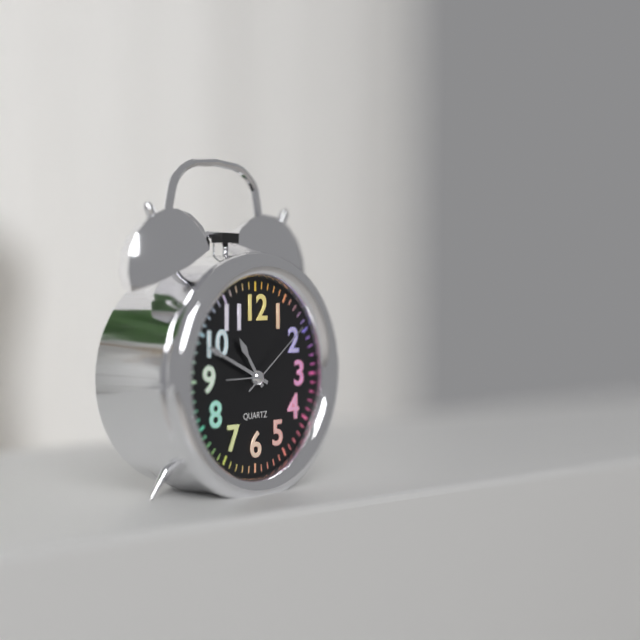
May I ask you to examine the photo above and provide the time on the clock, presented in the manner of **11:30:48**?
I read **10:49:09**
